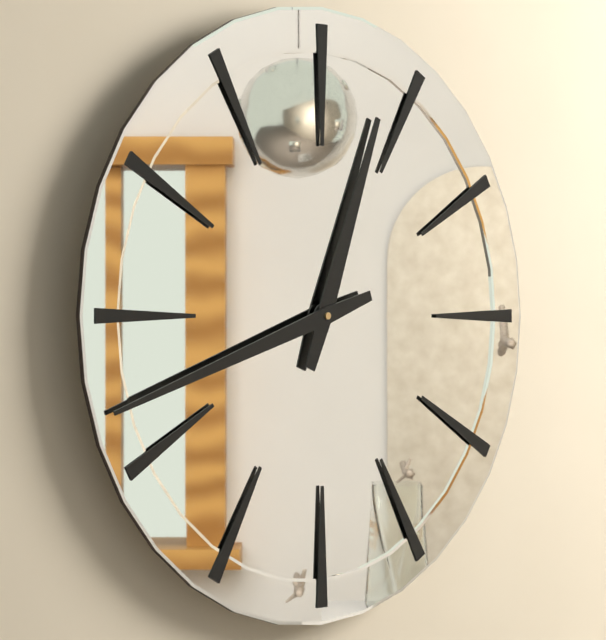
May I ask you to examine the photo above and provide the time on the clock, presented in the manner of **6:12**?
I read **12:42**
